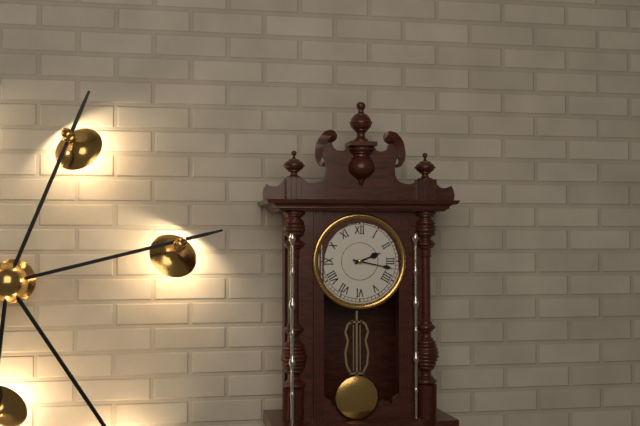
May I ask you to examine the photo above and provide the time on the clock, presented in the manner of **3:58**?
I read **2:17**
